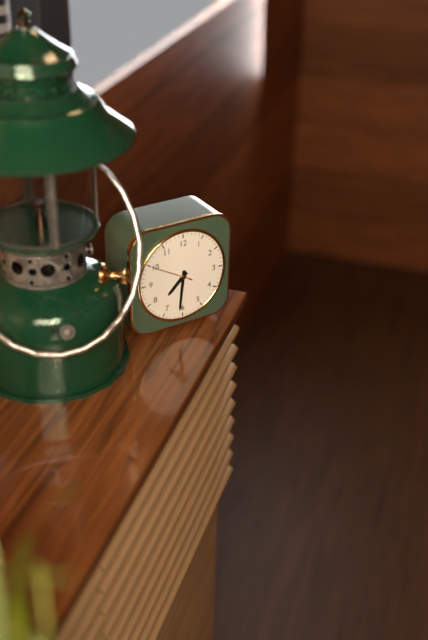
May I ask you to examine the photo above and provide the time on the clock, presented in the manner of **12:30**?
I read **7:31**
